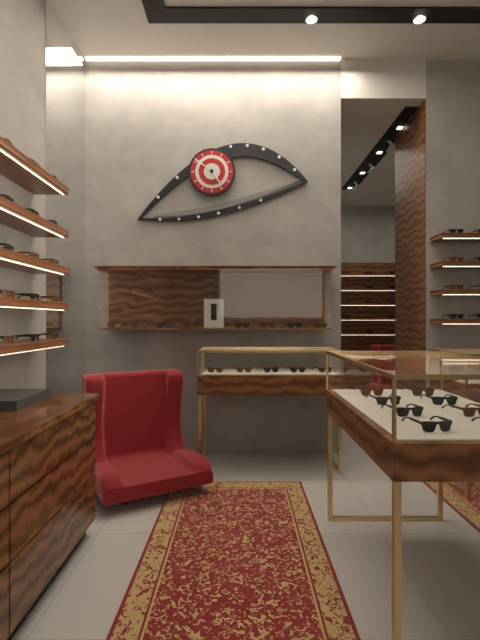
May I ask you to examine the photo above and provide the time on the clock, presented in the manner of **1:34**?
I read **4:51**
